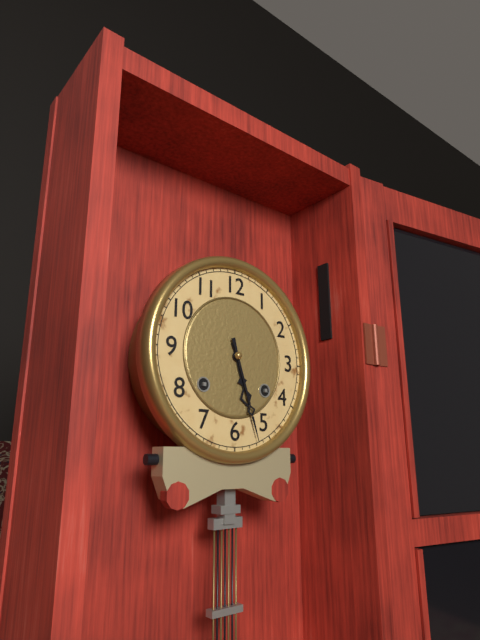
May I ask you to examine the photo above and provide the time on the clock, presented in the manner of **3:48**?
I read **5:27**
